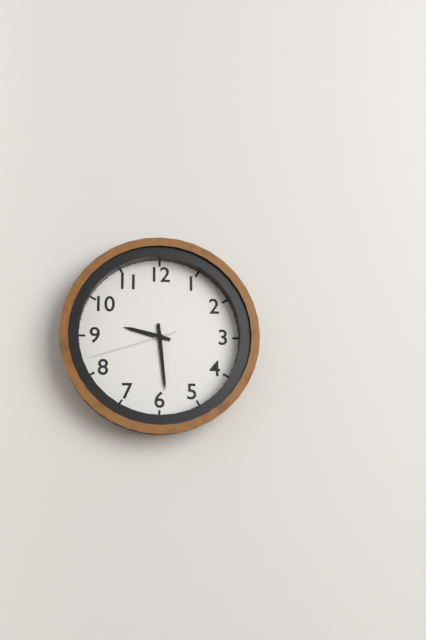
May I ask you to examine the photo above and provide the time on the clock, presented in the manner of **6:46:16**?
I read **9:29:42**
